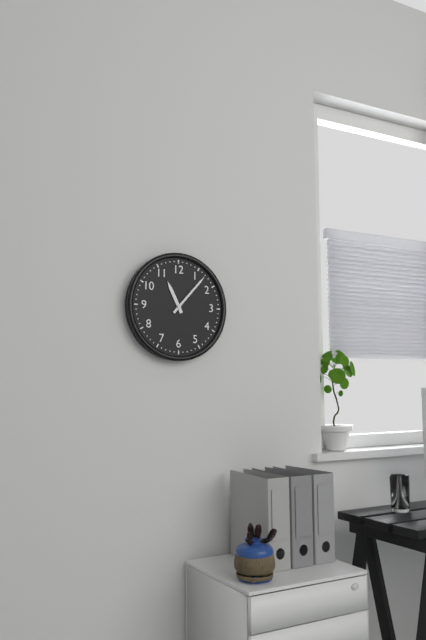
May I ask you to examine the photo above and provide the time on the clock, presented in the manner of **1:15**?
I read **11:07**
